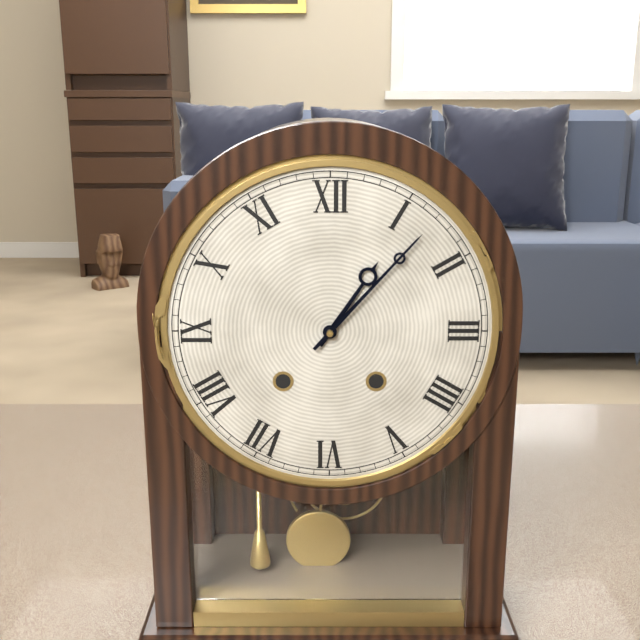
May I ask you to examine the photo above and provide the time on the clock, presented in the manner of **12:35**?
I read **1:07**
